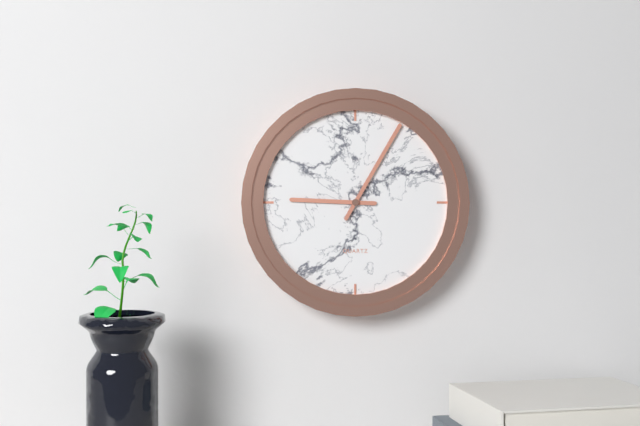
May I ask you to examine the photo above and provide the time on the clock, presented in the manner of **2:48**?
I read **9:05**
